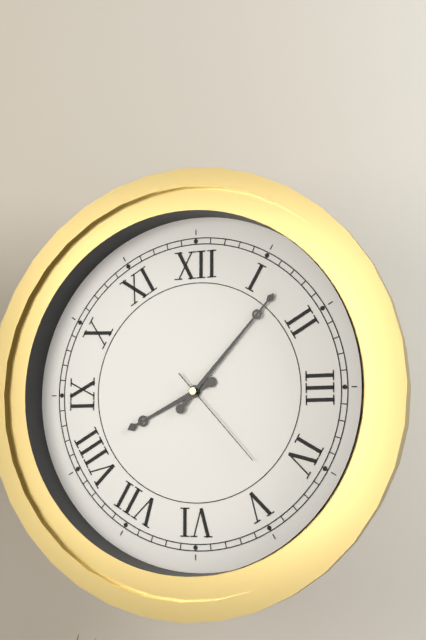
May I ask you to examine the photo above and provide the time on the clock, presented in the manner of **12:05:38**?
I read **8:07:23**
